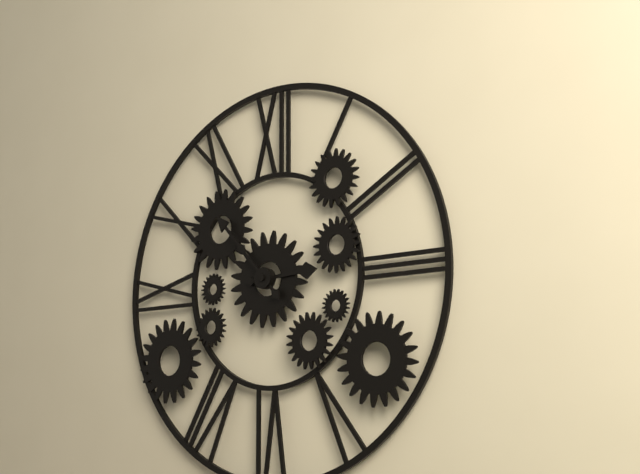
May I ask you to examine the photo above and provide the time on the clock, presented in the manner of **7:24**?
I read **2:53**
